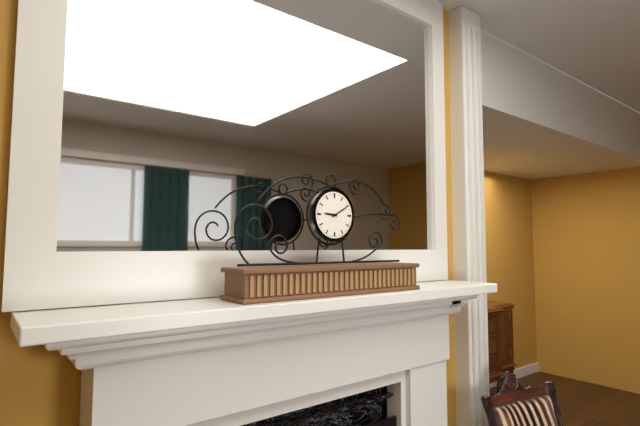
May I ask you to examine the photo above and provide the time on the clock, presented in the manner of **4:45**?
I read **9:10**
